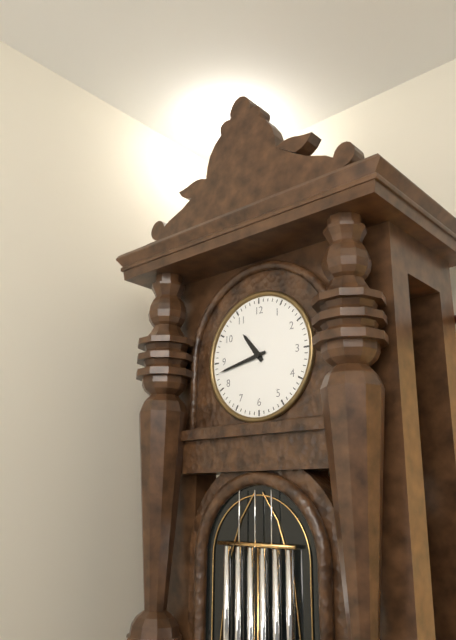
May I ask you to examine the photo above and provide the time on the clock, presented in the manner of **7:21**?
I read **10:43**
